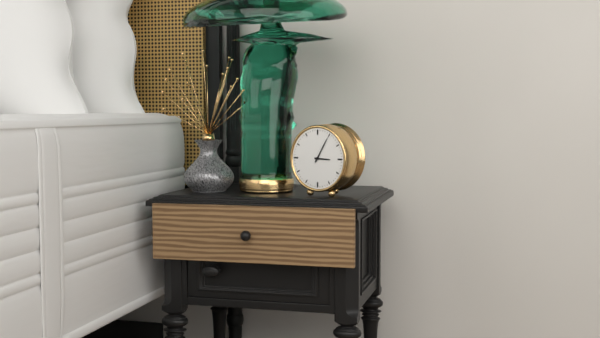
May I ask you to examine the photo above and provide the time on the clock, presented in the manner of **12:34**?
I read **3:05**
